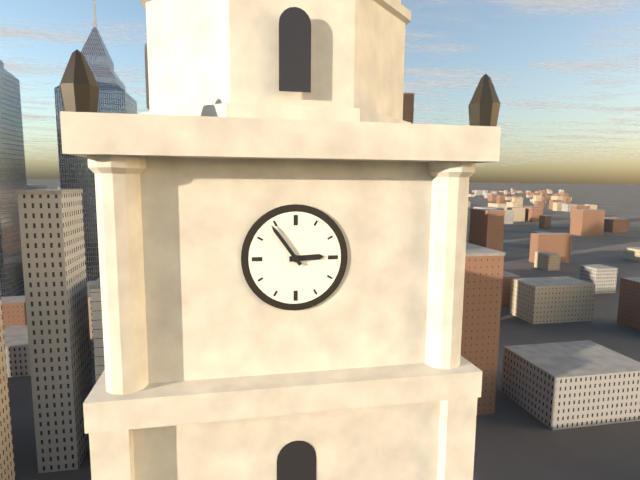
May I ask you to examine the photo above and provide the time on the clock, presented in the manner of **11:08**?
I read **2:54**
